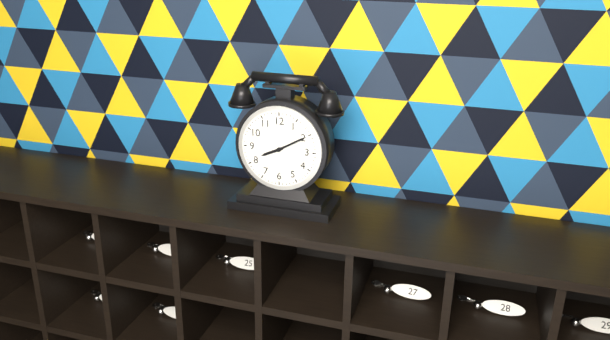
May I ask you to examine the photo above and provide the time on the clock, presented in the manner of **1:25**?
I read **8:10**
